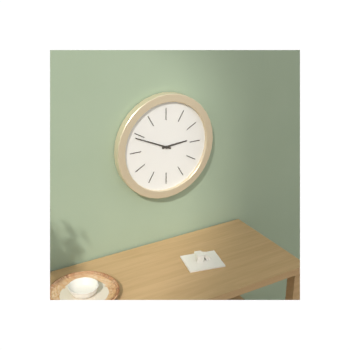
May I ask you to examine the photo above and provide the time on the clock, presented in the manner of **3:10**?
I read **2:49**
